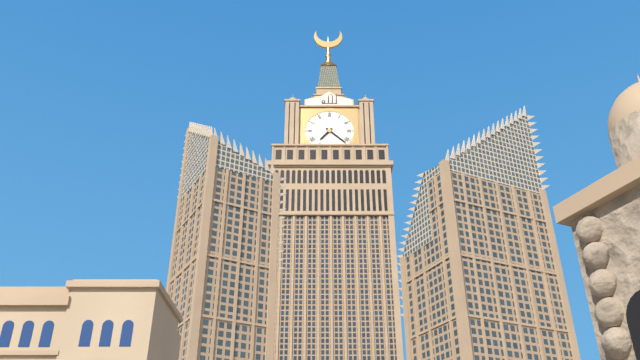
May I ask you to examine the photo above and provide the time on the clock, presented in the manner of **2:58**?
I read **7:22**
